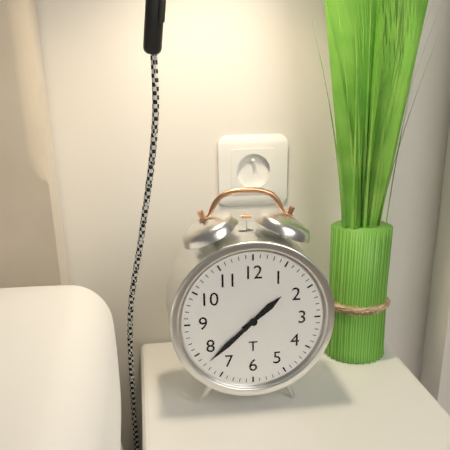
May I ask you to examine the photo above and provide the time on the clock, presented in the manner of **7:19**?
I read **1:38**
